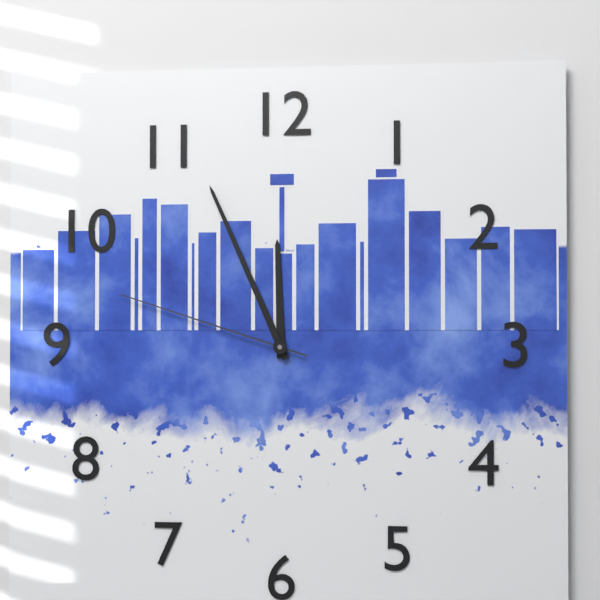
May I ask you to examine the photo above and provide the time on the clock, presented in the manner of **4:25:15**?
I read **11:56:48**
